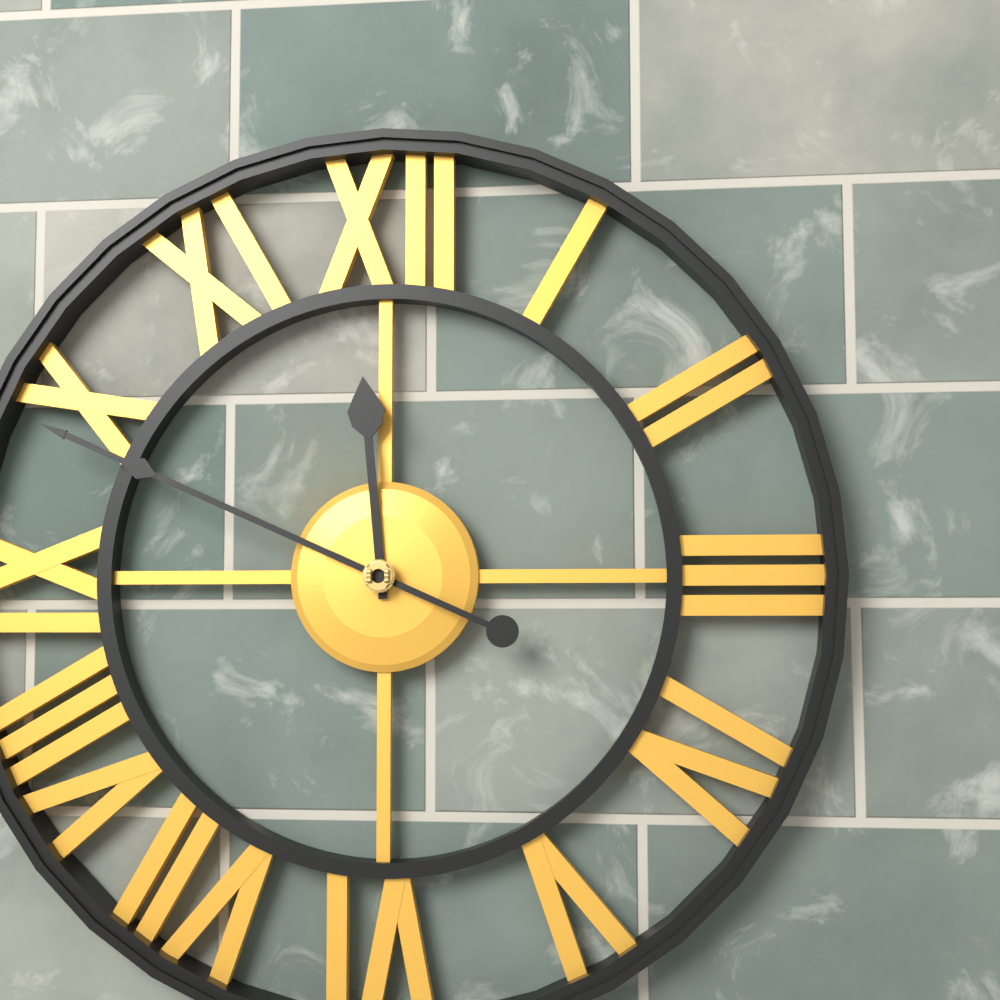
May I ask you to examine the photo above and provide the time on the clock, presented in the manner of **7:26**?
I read **11:49**
